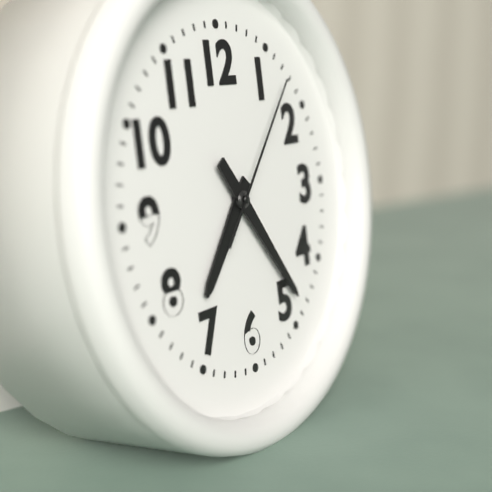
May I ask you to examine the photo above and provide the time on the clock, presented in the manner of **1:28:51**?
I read **7:24:07**
